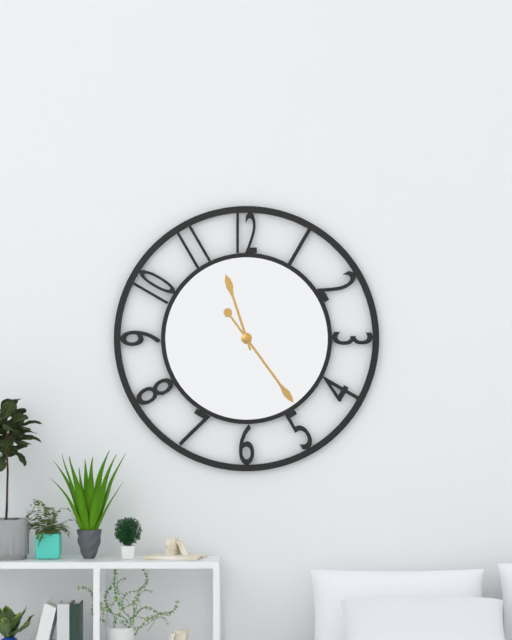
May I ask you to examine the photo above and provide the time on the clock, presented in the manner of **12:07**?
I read **11:24**
